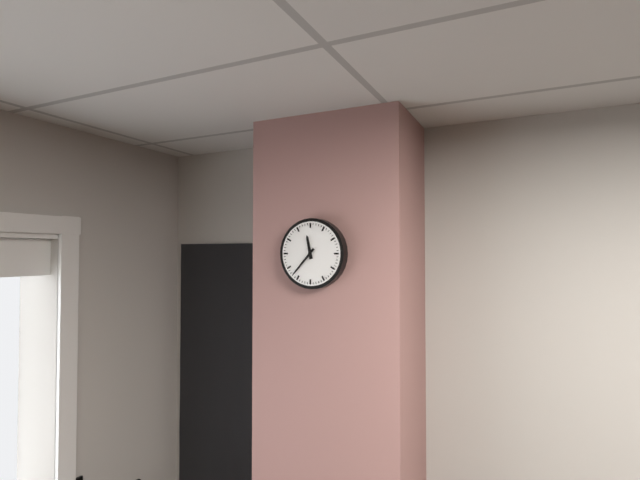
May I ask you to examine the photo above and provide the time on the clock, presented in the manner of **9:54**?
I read **11:37**
